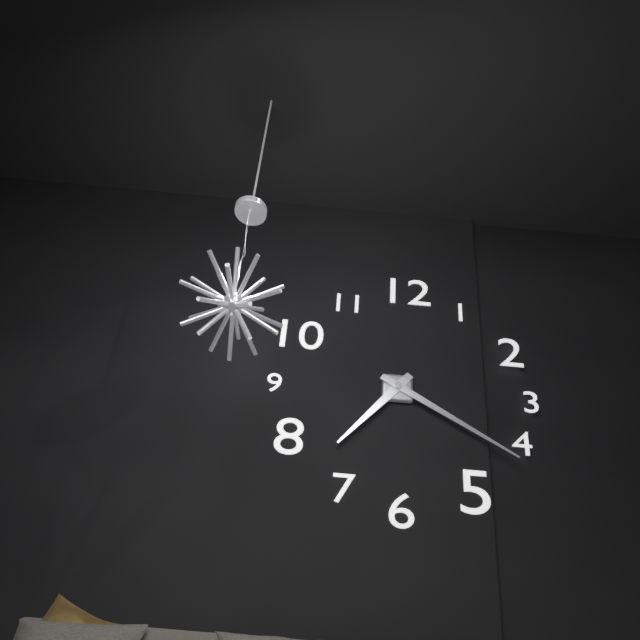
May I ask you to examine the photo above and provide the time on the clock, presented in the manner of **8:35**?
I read **7:20**
